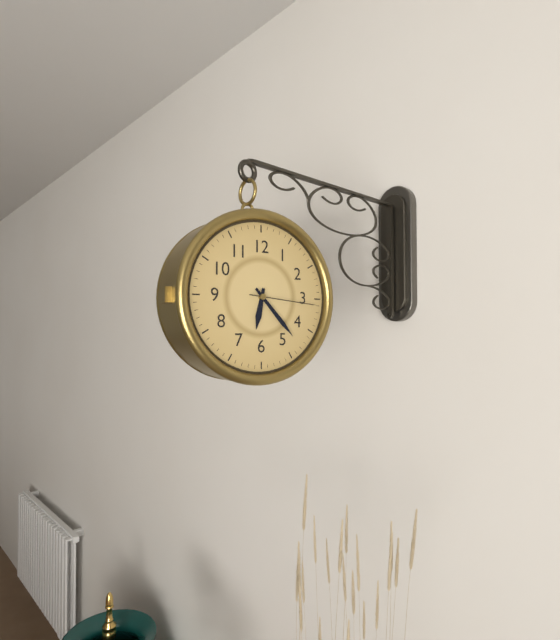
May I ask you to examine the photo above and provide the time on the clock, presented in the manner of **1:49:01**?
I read **6:23:16**
